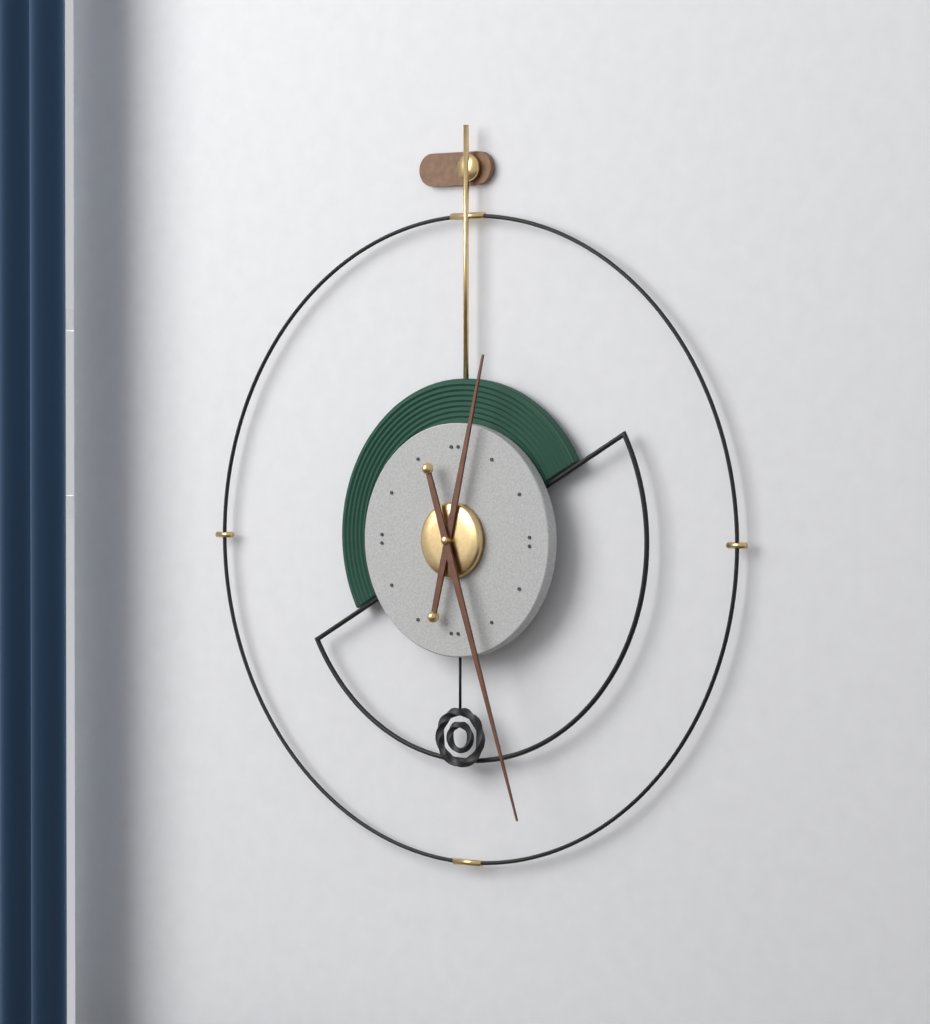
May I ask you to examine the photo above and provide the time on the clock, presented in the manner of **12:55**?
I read **12:27**
